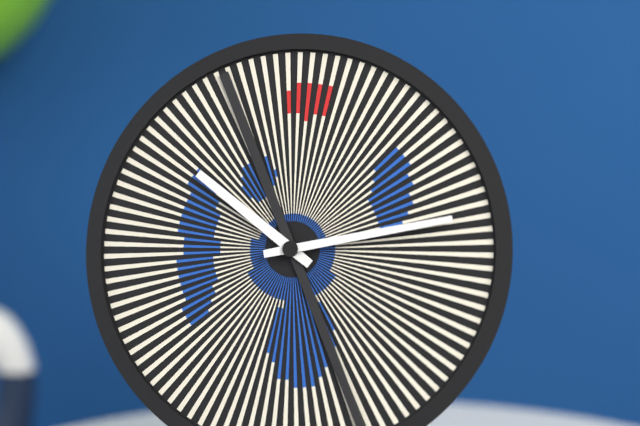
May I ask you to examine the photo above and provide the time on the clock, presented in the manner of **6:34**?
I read **10:13**
